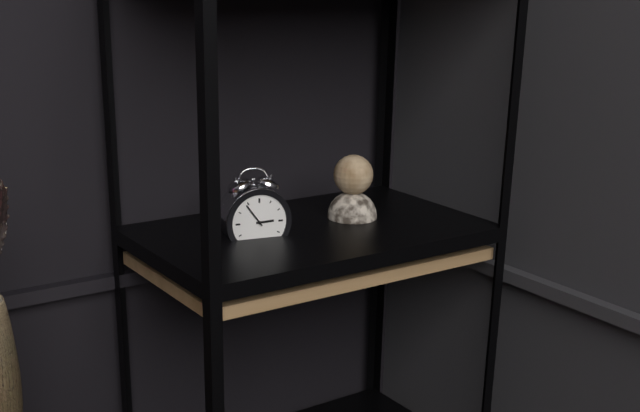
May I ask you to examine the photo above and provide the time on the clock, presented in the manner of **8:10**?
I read **2:54**
